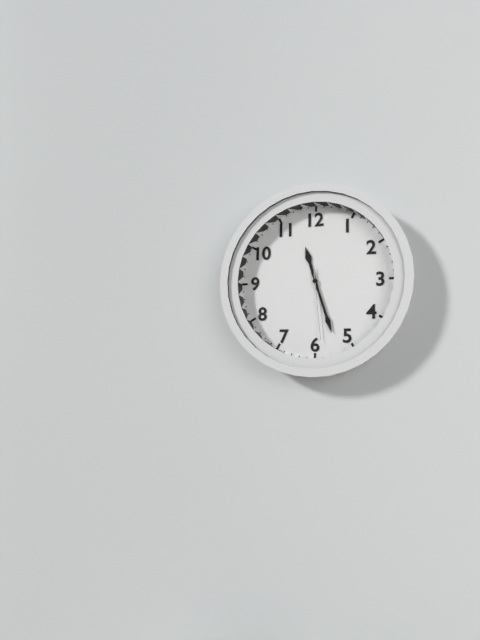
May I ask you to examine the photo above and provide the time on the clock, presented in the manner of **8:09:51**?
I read **11:27:29**
